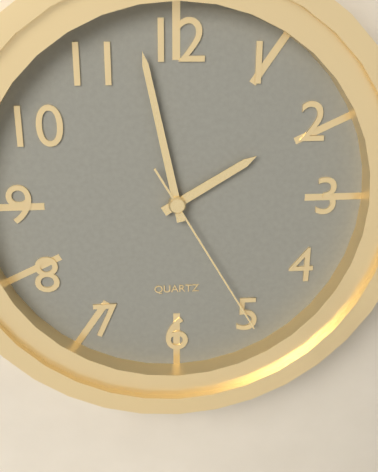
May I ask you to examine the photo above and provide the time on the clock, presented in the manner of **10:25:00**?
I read **1:58:25**
